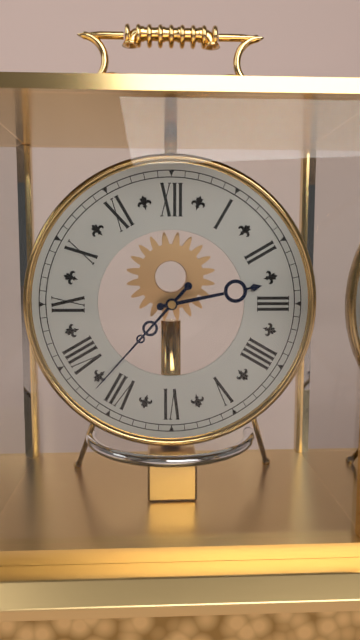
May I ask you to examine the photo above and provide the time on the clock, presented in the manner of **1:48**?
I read **2:37**
